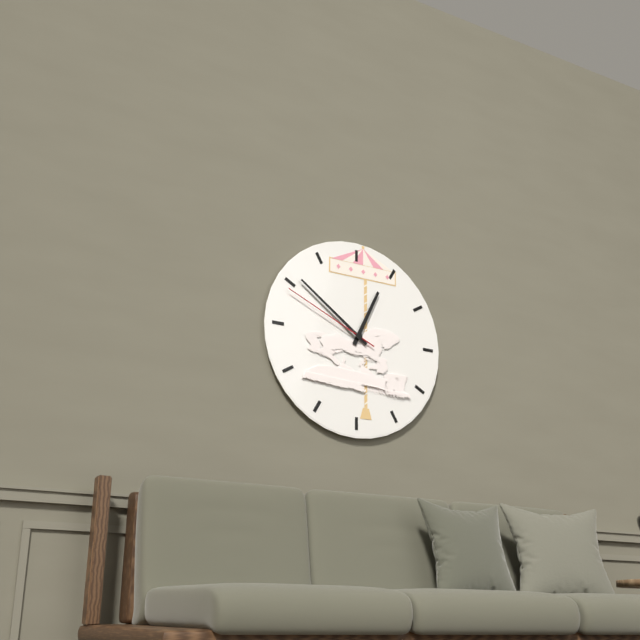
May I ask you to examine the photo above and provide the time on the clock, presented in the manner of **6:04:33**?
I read **12:51:49**
